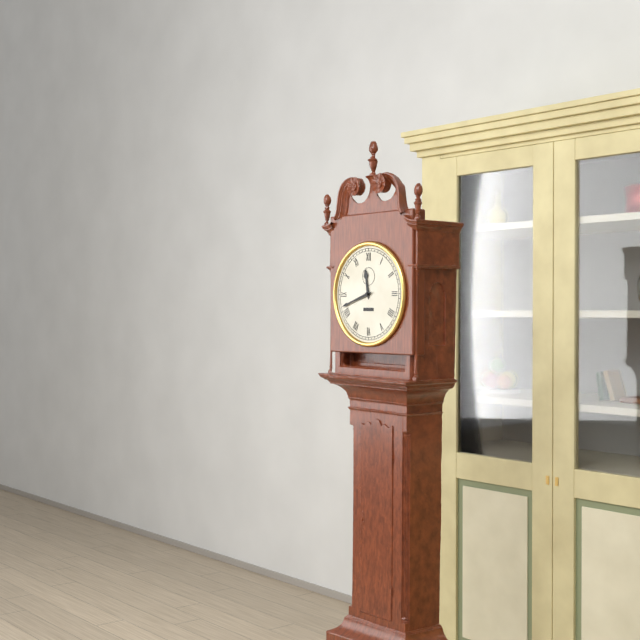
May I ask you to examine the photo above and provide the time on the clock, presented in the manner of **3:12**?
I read **11:42**
